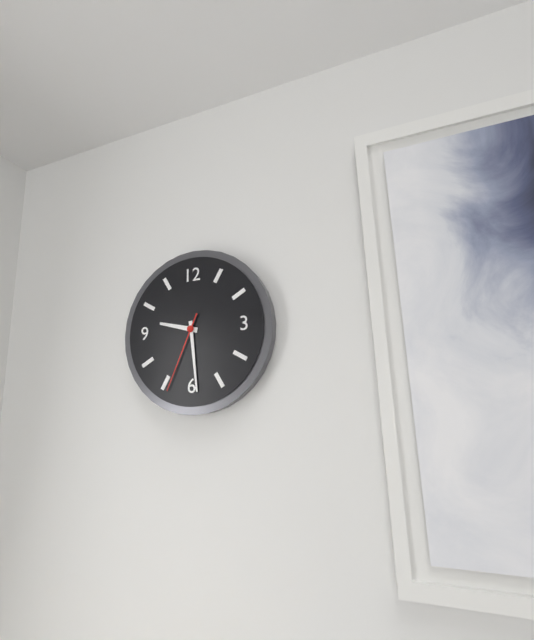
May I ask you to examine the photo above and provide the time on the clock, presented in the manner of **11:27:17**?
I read **9:29:34**
